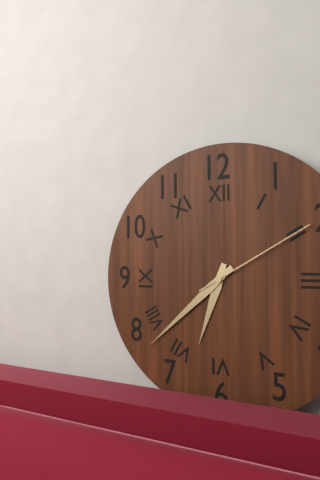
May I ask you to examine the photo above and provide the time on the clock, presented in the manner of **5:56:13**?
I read **6:38:10**
